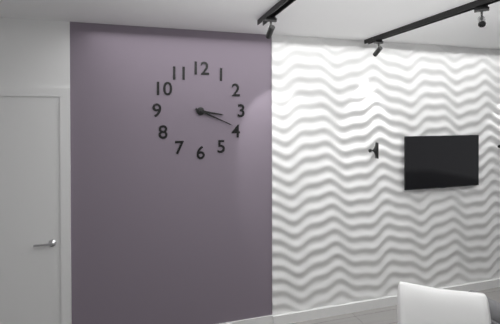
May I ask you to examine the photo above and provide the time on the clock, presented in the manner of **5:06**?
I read **3:19**
